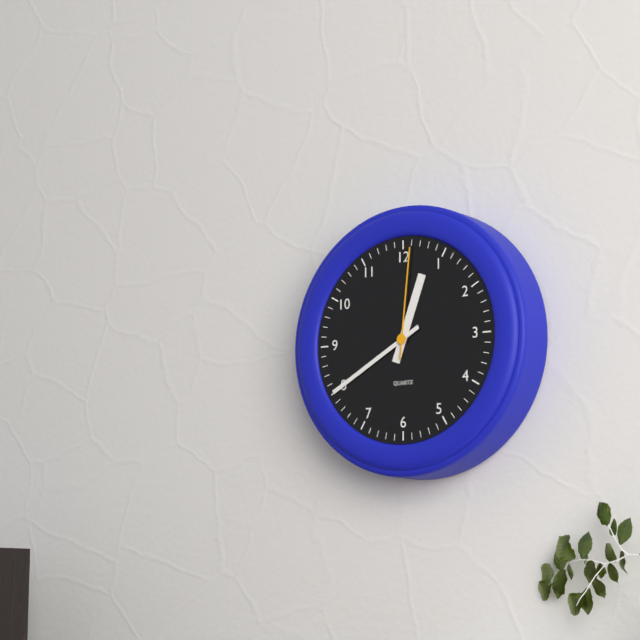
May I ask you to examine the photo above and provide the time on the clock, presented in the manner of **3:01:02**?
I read **12:40:01**
